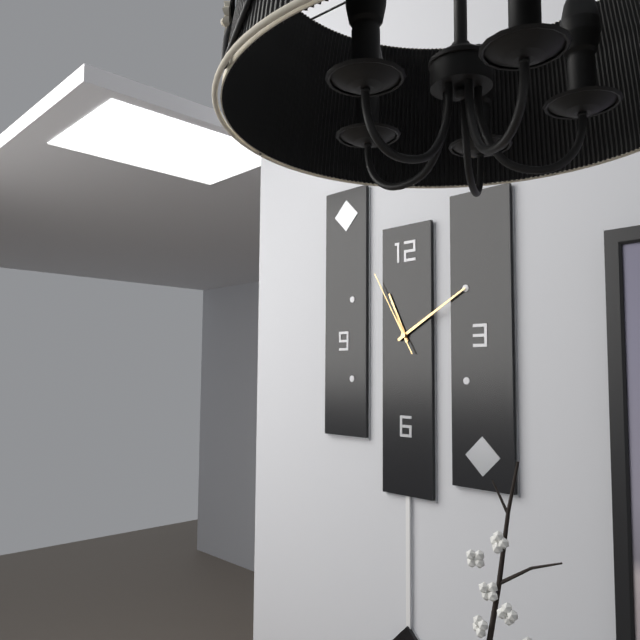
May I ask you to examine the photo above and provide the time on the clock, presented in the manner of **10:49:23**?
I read **11:10:55**
